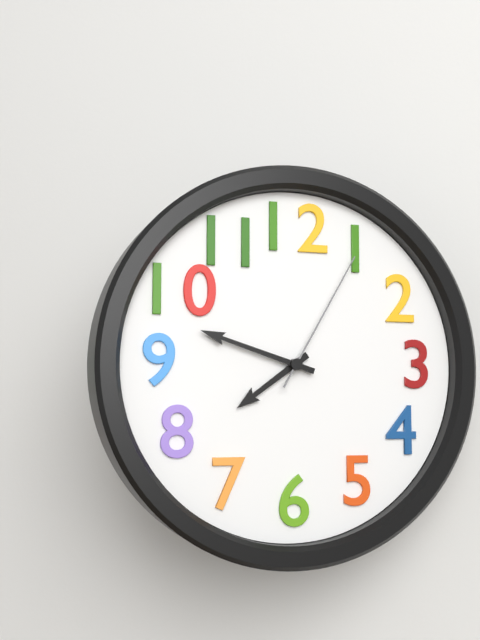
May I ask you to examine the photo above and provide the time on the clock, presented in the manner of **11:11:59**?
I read **7:48:05**
